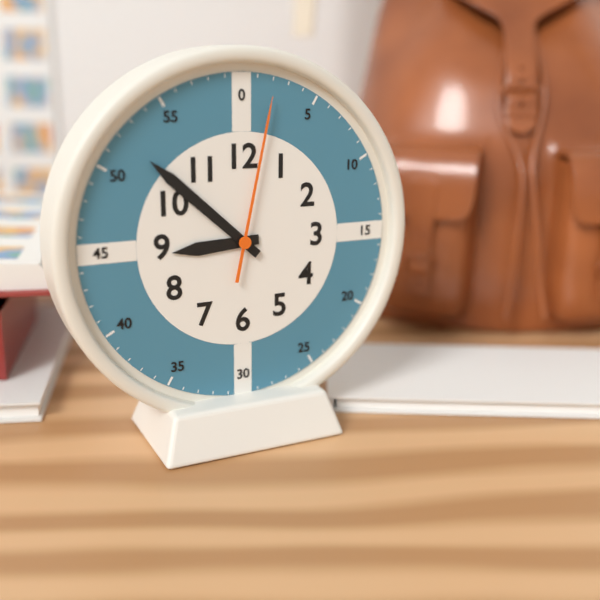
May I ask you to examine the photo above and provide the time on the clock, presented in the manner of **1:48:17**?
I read **8:52:02**
